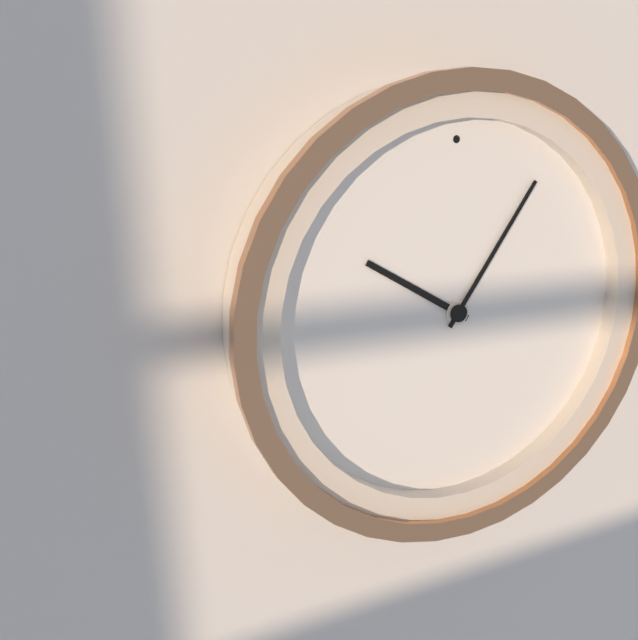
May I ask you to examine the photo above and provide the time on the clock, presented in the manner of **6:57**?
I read **10:06**
